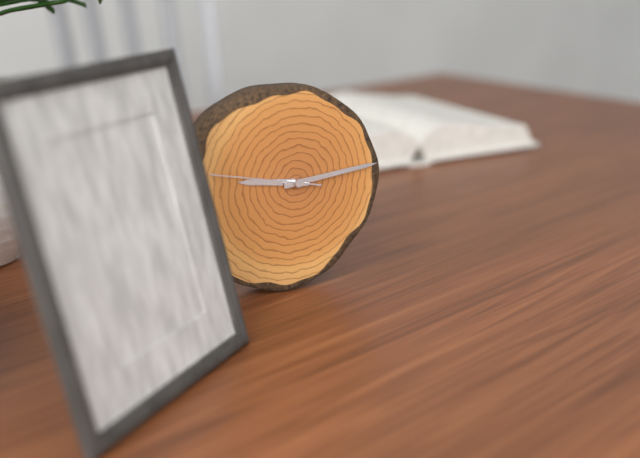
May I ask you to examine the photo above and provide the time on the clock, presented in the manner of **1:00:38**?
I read **9:14:47**
